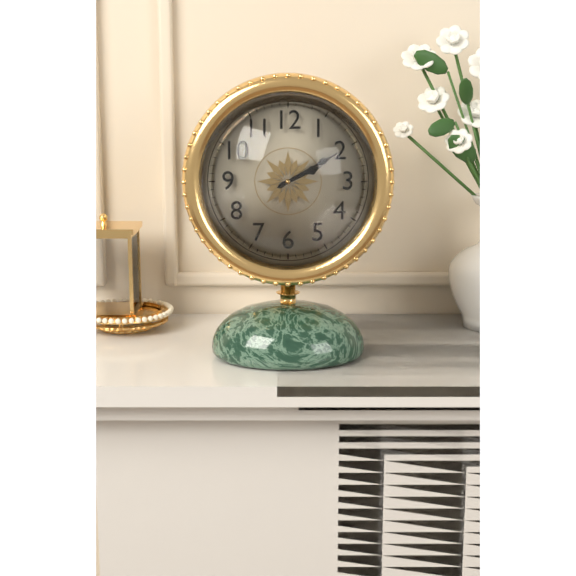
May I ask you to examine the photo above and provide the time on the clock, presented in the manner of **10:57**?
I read **2:10**
